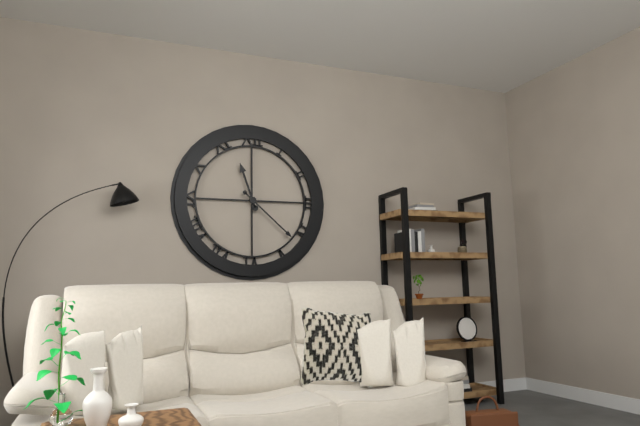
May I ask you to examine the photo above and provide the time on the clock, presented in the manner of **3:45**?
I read **11:22**
